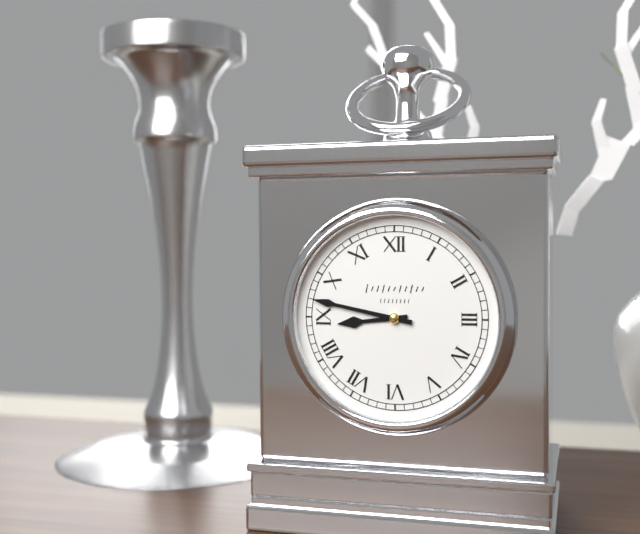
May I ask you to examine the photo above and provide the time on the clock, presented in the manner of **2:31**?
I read **8:47**
